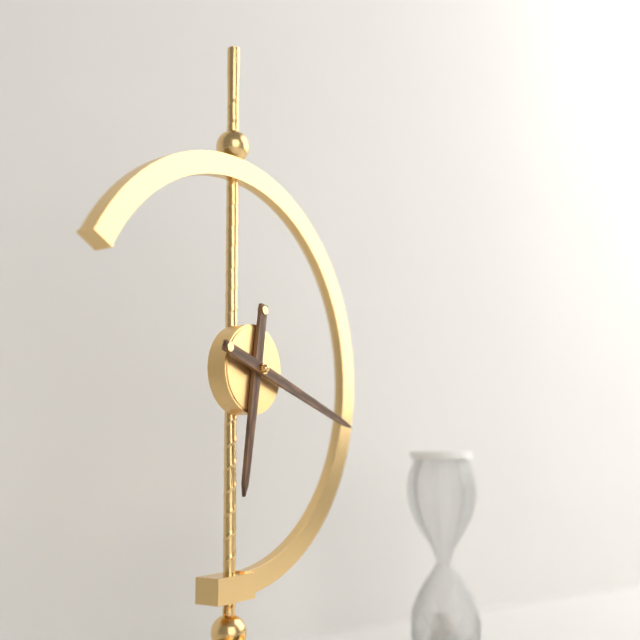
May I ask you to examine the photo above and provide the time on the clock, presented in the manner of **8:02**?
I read **6:18**
